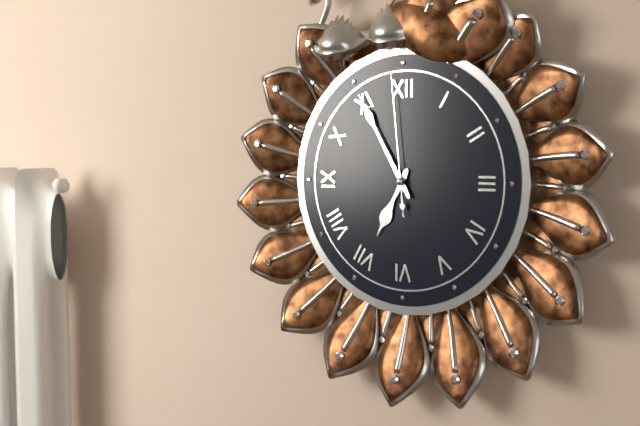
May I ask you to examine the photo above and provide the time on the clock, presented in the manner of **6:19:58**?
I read **6:55:59**
